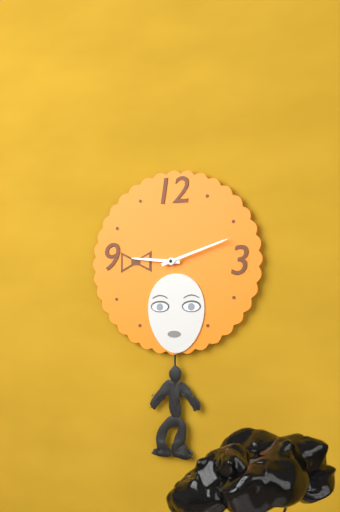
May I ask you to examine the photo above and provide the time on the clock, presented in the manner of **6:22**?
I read **9:12**
